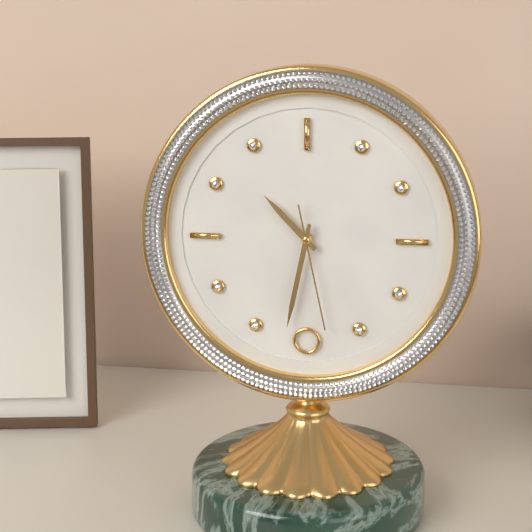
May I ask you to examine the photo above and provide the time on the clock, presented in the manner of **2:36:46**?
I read **10:32:28**
